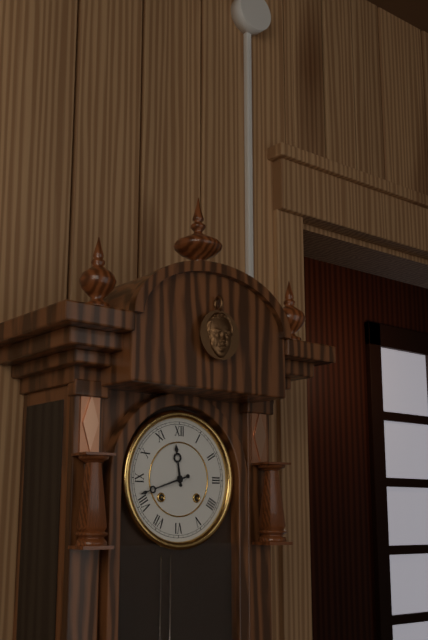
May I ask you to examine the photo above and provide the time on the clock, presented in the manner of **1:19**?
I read **11:42**
